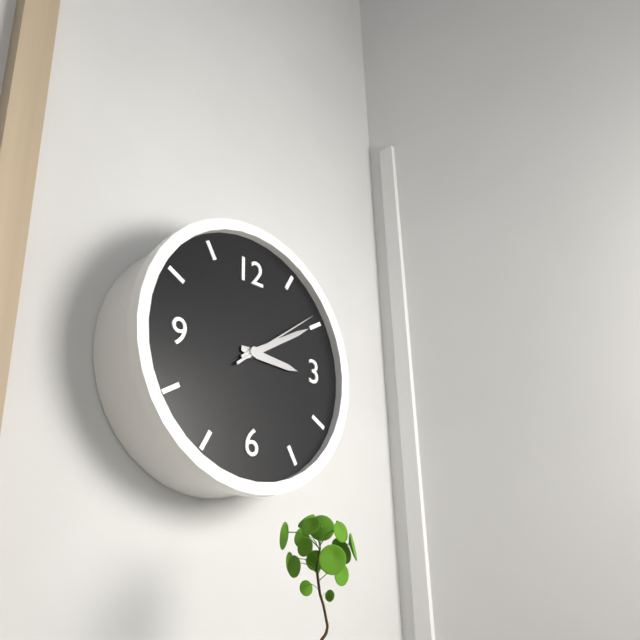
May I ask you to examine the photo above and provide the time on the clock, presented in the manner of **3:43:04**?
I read **3:10:09**
